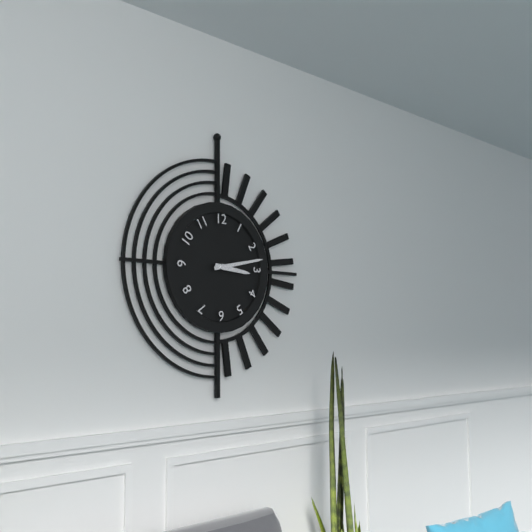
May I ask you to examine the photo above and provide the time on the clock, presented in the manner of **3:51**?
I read **3:13**
